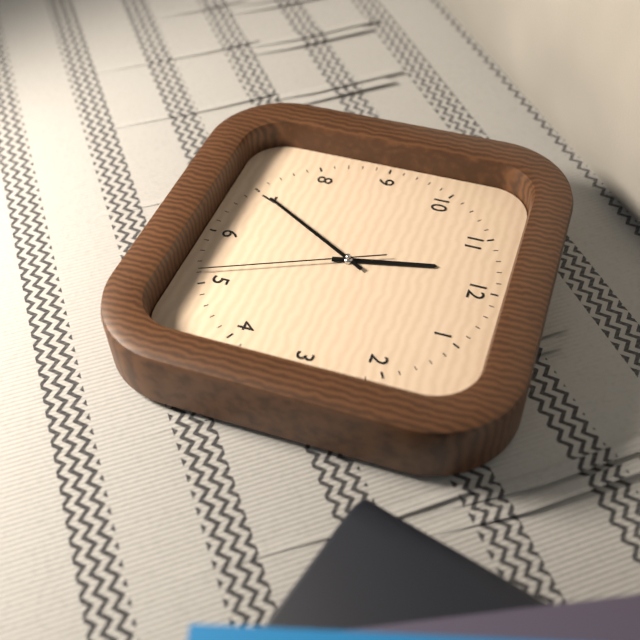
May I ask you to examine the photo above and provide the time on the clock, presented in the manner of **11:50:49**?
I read **11:35:26**
